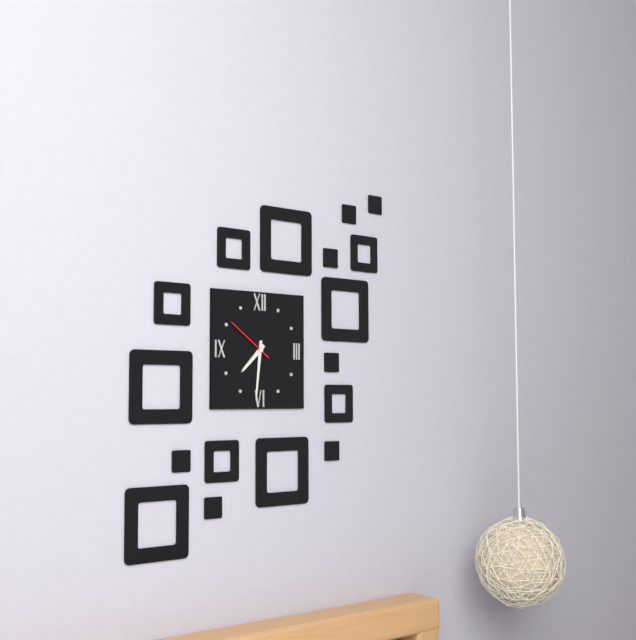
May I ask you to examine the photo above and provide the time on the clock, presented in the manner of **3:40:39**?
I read **7:31:51**
